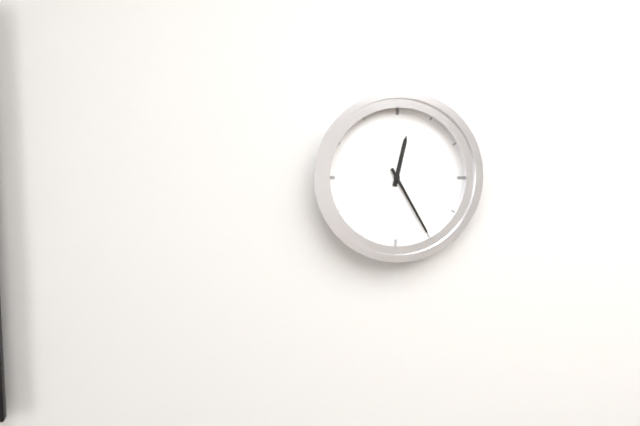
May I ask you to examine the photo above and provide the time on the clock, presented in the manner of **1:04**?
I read **12:25**
